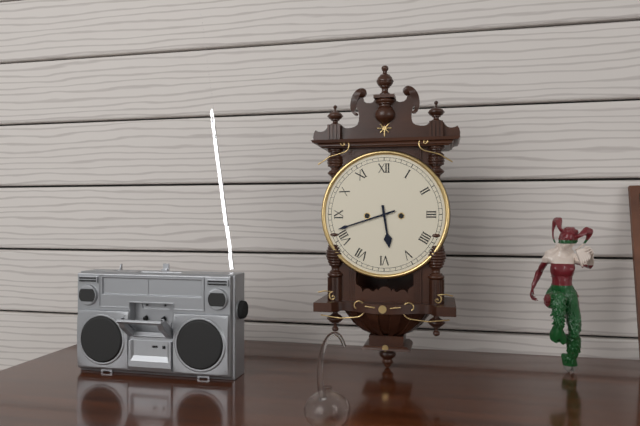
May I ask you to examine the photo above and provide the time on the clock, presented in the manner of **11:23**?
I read **5:42**
